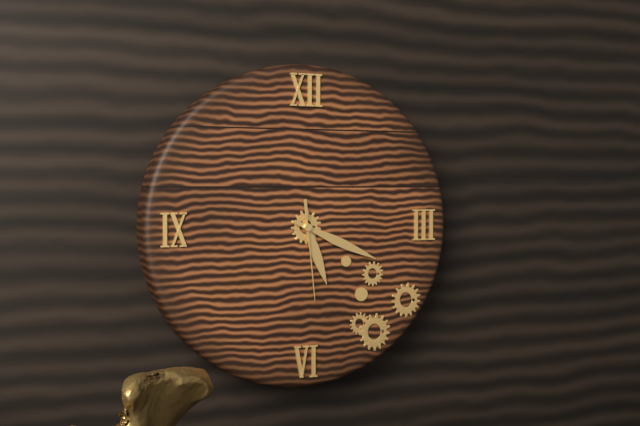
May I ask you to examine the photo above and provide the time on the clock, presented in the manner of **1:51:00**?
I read **5:19:29**
